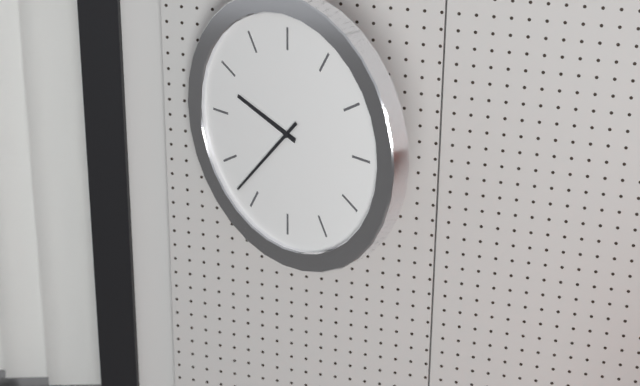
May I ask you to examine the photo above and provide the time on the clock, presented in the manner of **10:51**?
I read **9:37**
